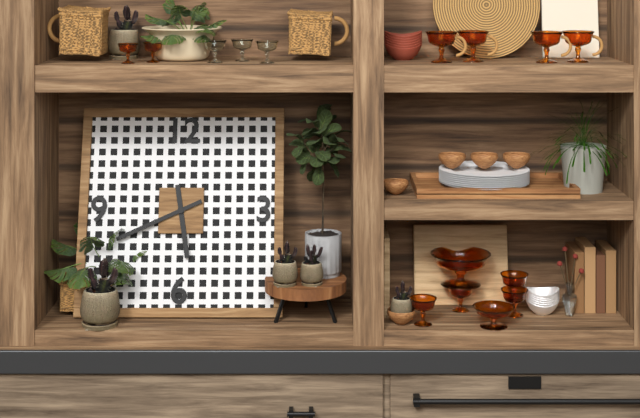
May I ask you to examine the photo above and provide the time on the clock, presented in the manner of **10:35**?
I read **5:41**
